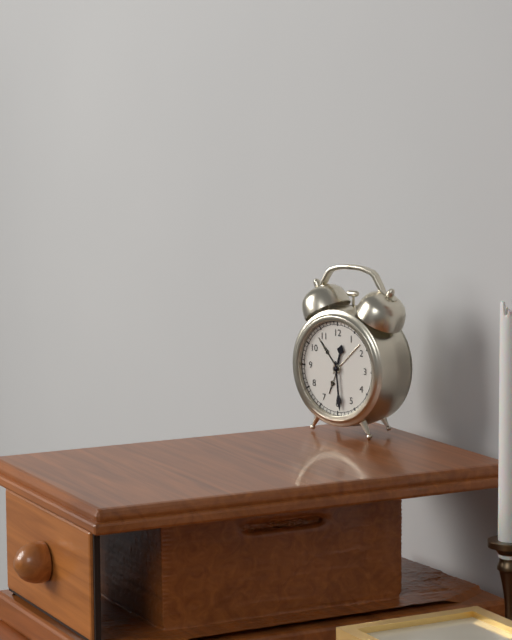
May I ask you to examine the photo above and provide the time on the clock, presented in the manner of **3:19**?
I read **12:29**
